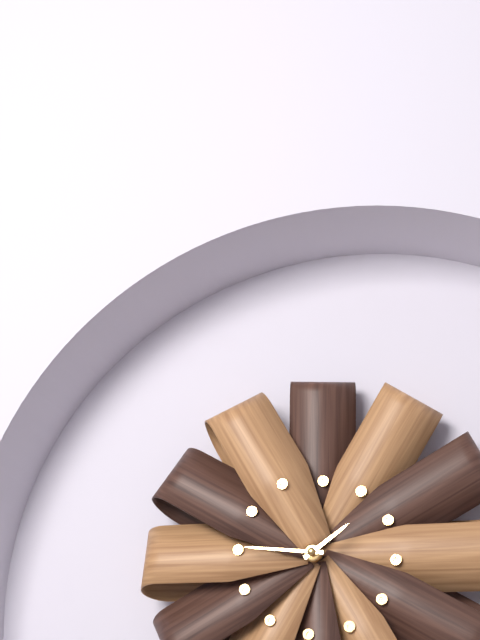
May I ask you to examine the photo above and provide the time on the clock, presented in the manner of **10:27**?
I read **1:46**
